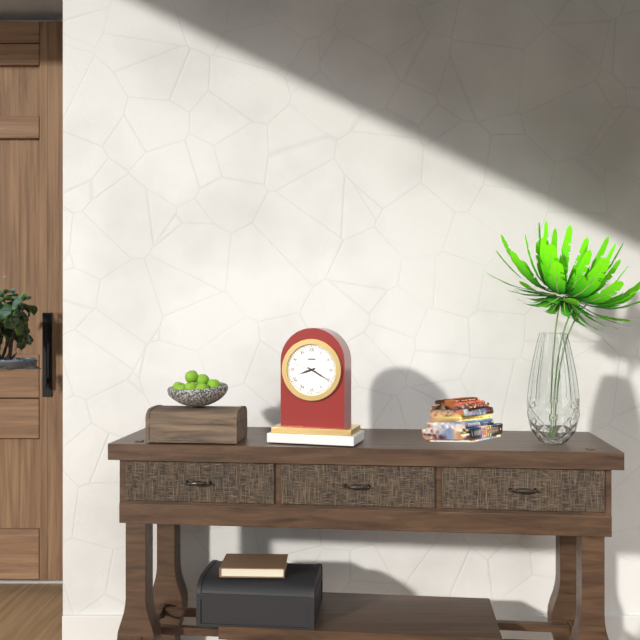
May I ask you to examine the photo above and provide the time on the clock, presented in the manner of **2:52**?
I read **8:20**
